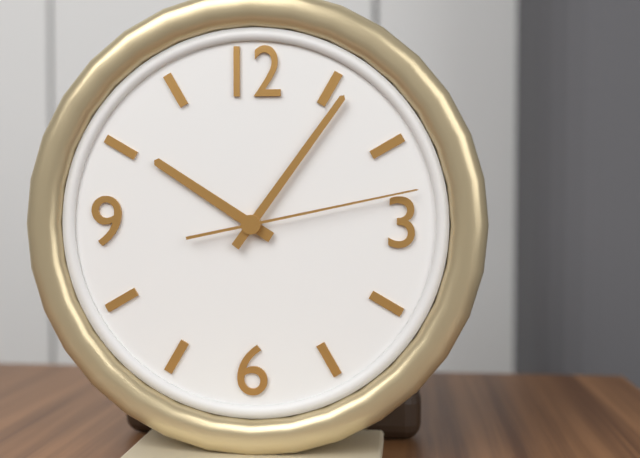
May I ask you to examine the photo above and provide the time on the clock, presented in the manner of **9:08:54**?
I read **10:06:13**
